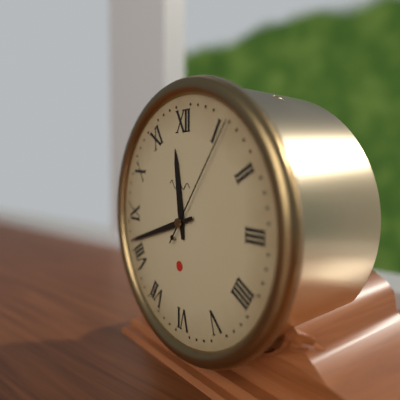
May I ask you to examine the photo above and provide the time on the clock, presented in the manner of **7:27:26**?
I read **11:42:06**
